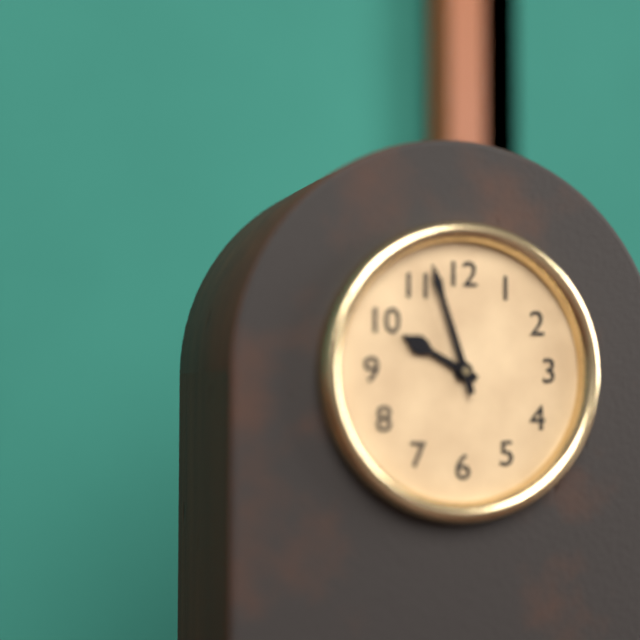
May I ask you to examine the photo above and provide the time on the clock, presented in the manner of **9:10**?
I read **9:57**
